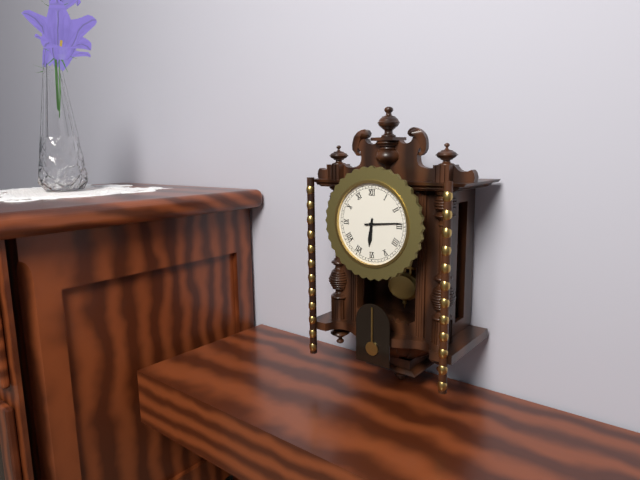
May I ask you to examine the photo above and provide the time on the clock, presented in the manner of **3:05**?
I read **6:14**
